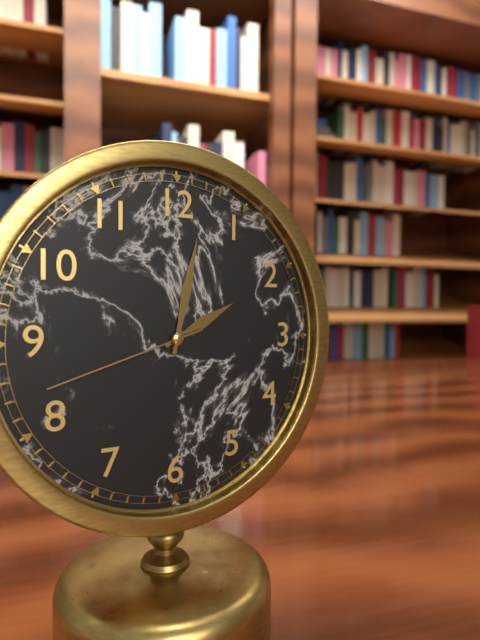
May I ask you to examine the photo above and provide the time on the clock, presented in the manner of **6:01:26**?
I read **2:02:42**
